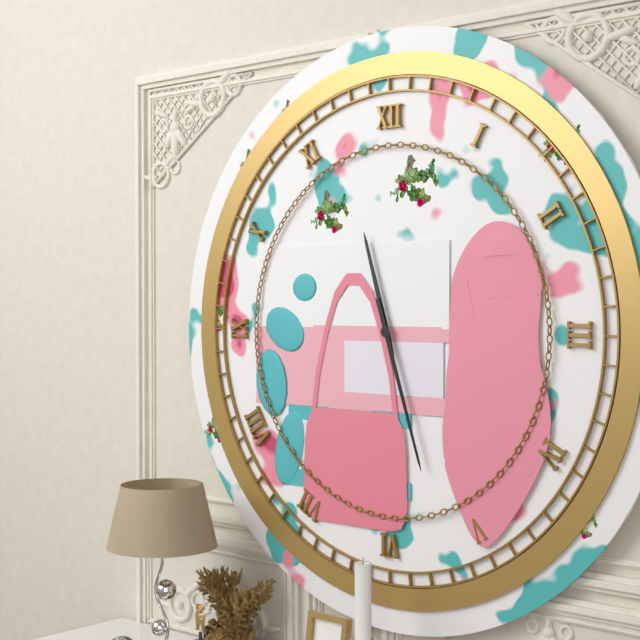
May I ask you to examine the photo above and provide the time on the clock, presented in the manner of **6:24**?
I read **11:27**
